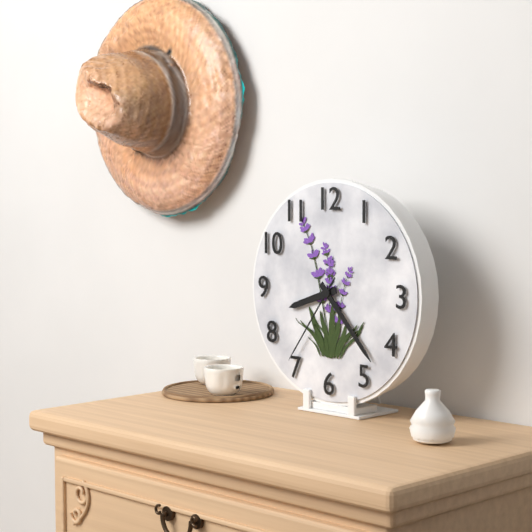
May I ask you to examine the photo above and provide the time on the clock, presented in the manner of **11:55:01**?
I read **8:23:36**
